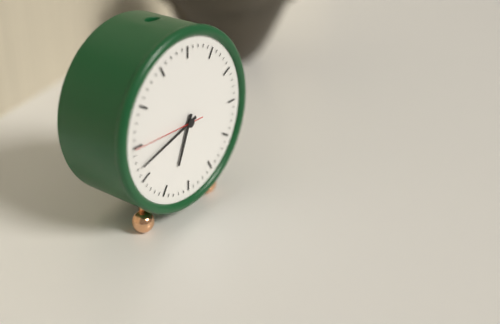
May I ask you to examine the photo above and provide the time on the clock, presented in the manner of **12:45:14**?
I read **6:42:45**
